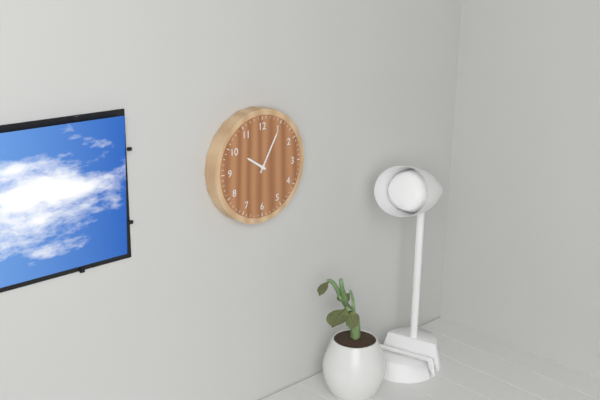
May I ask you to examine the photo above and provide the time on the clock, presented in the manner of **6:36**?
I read **10:05**
